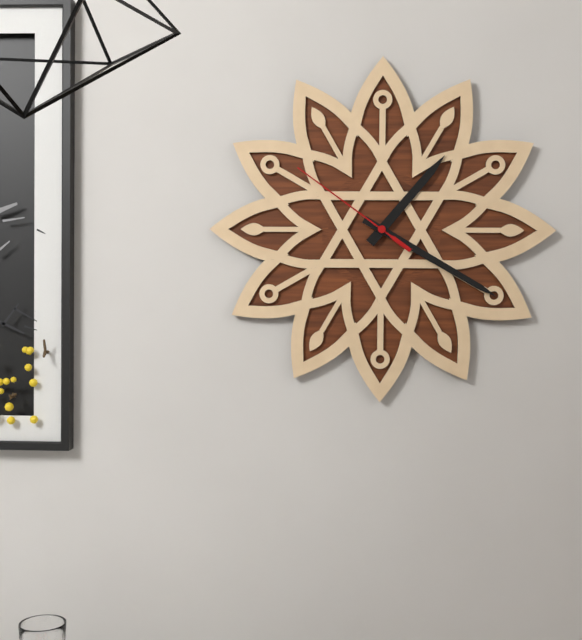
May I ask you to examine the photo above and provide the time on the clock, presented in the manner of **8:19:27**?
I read **1:20:51**
